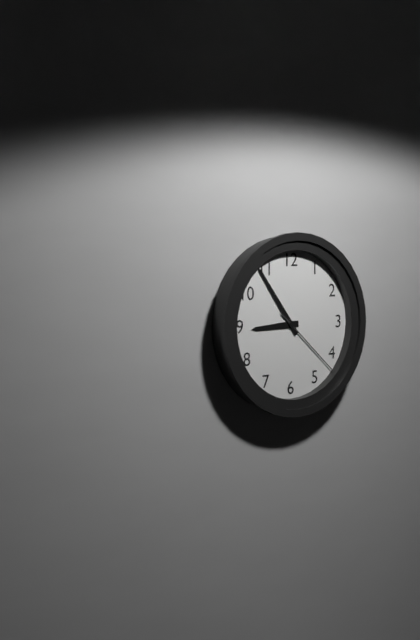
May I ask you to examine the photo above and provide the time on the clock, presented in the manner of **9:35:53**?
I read **8:54:22**
